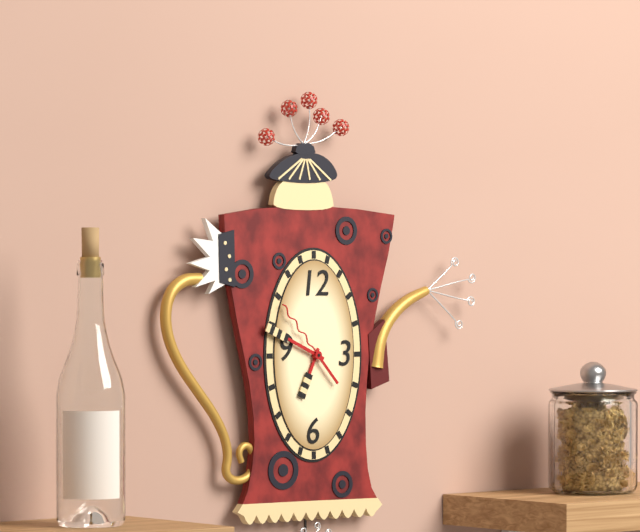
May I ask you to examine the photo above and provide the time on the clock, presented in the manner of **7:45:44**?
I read **6:49:53**
